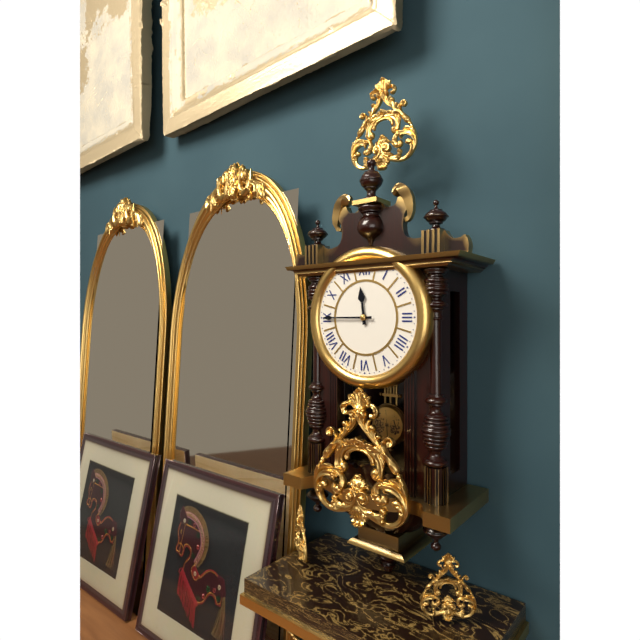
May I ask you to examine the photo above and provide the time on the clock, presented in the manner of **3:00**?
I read **11:45**
